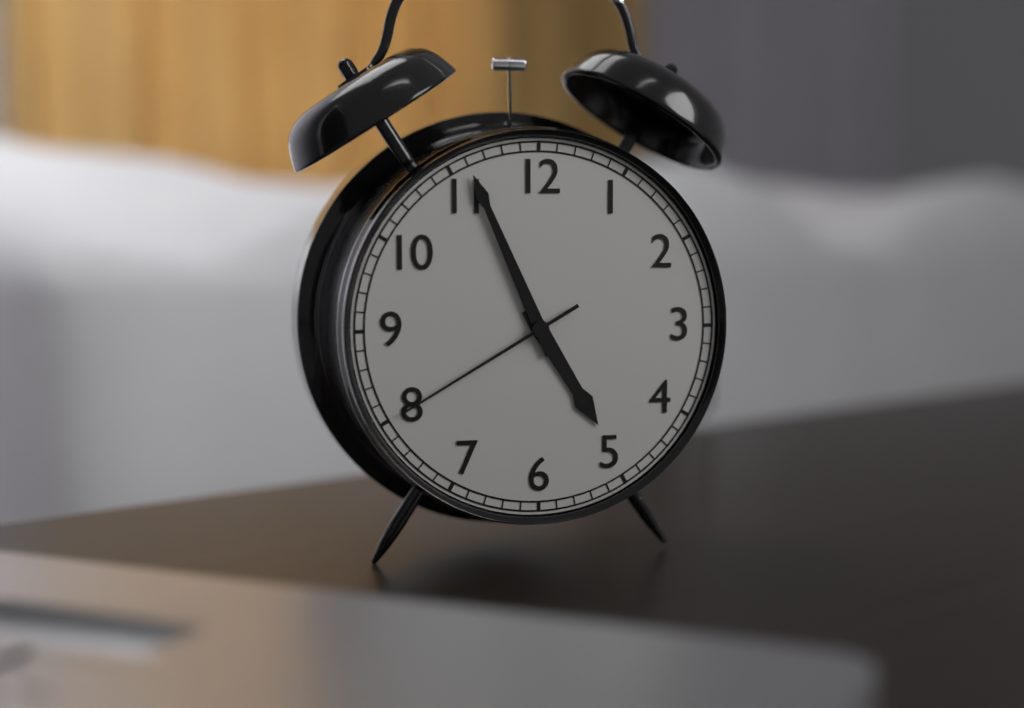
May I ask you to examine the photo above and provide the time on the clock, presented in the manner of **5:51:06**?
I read **4:56:40**
